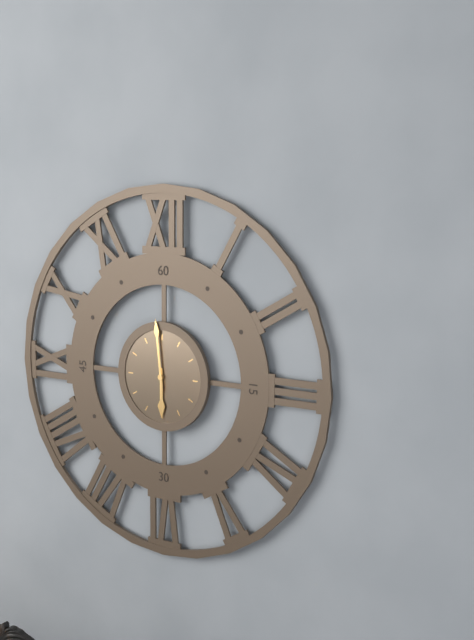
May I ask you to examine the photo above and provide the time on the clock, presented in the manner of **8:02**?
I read **5:59**
